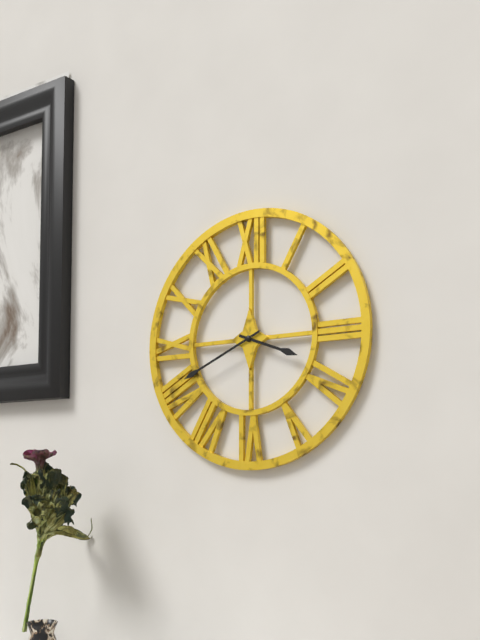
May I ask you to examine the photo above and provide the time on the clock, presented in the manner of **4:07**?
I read **3:41**
